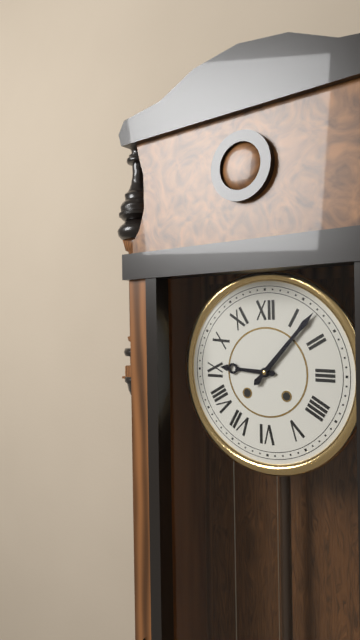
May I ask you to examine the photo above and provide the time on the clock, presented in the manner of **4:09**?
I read **9:07**
